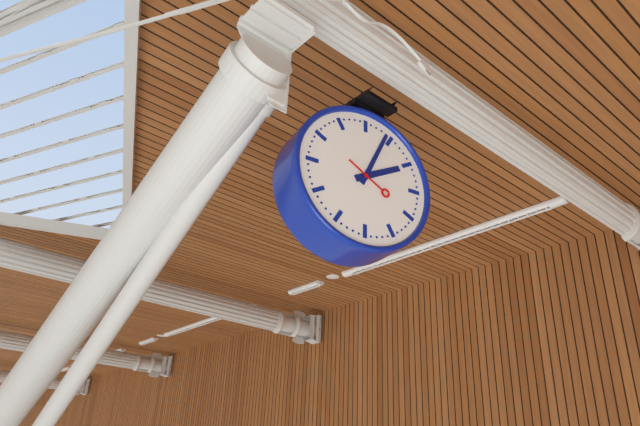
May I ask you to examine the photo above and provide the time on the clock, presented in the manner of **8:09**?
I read **2:04**
